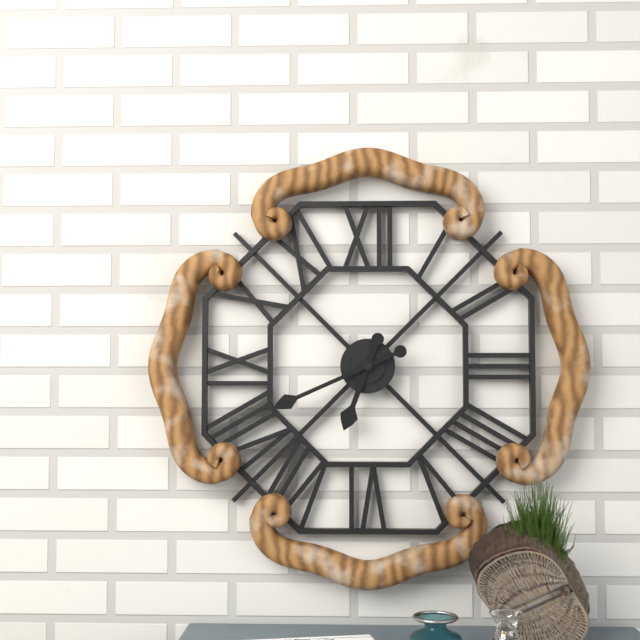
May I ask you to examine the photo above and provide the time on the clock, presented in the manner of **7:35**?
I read **6:41**
